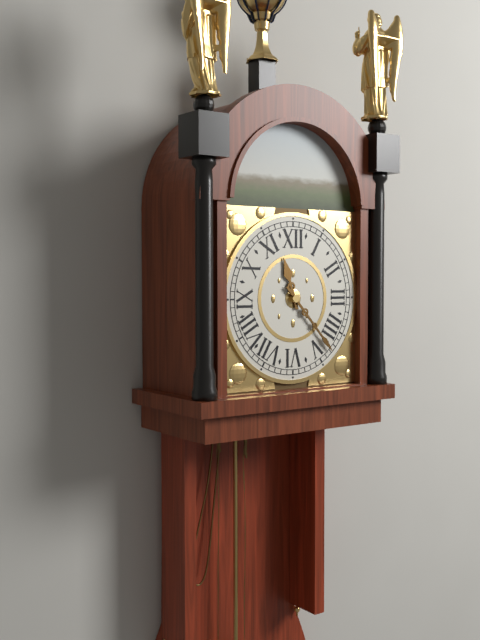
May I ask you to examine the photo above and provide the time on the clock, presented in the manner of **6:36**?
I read **11:23**
